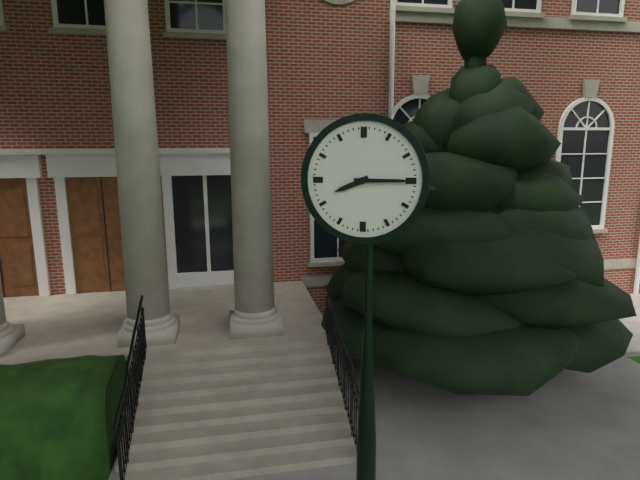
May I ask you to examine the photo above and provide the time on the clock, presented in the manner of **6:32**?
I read **8:15**
